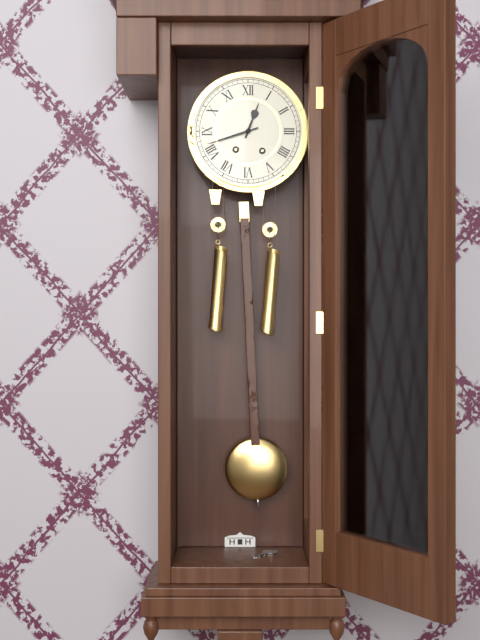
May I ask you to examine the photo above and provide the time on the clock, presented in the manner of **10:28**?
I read **12:42**
